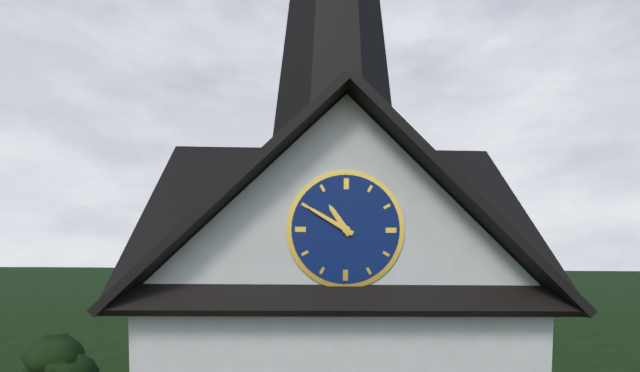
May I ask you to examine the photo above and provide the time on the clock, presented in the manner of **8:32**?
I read **10:50**
